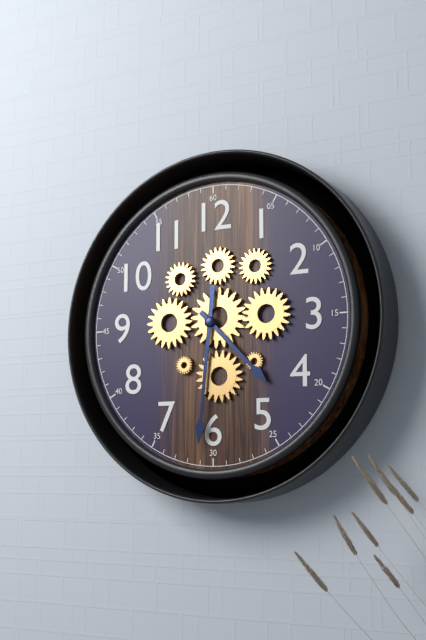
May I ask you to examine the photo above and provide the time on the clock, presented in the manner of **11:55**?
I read **4:31**
